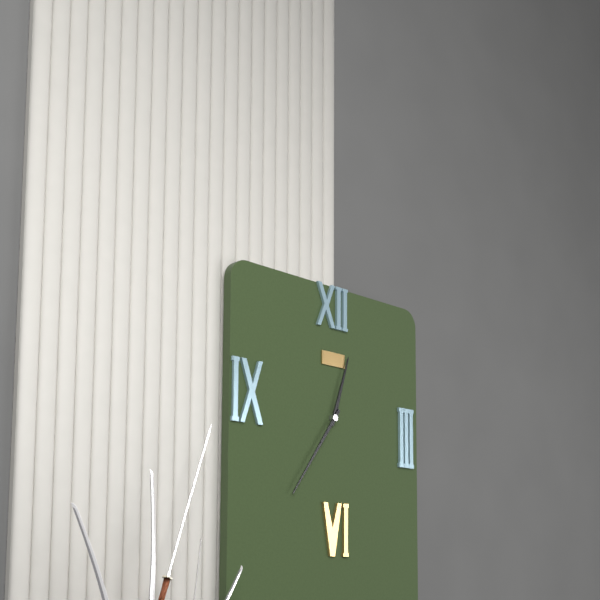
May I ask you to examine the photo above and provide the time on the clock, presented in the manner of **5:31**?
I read **12:36**
